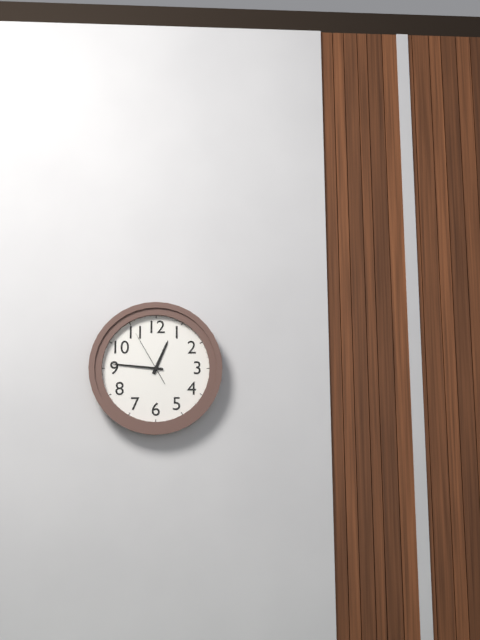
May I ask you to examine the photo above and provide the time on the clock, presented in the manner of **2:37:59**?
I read **12:46:55**
